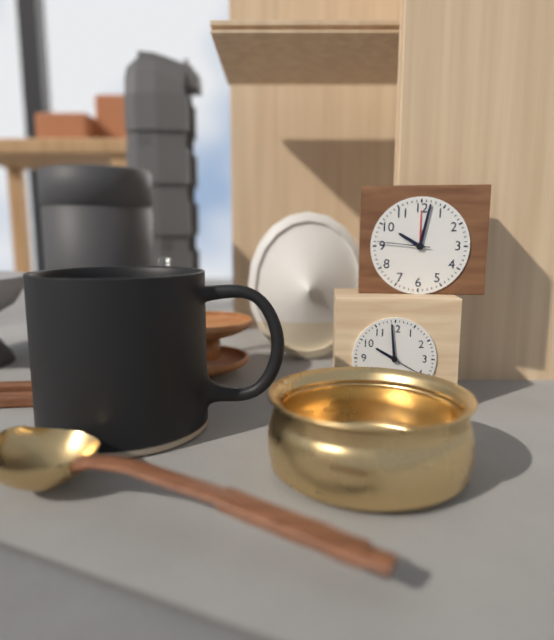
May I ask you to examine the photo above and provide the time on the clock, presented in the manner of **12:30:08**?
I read **10:02:46**
